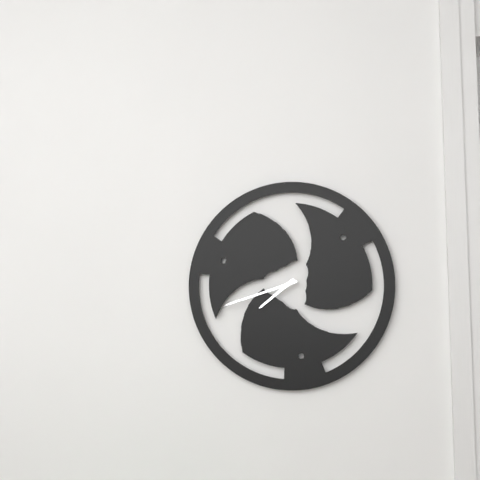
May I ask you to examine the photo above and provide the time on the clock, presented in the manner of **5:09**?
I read **7:42**
